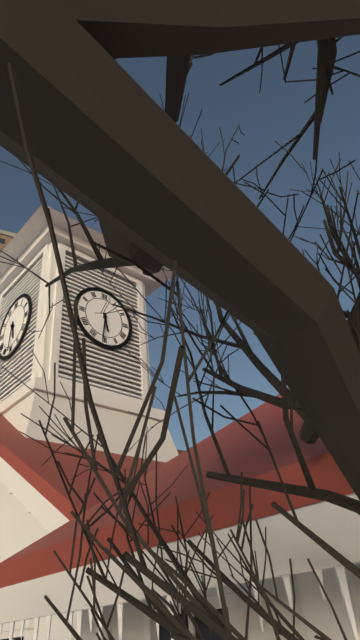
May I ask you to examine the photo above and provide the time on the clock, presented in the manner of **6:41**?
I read **5:31**
